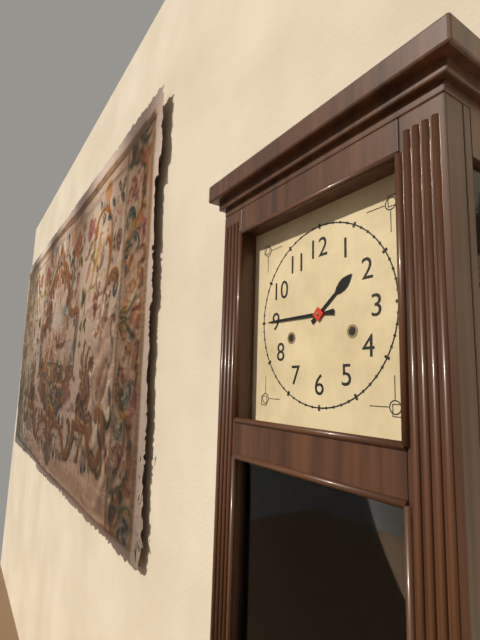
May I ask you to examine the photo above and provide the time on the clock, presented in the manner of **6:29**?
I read **1:45**
